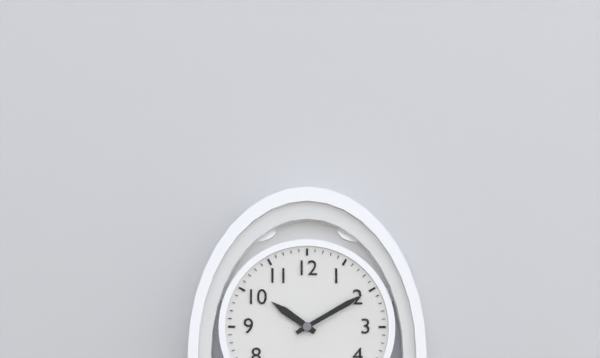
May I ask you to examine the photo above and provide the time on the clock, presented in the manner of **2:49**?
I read **10:10**
